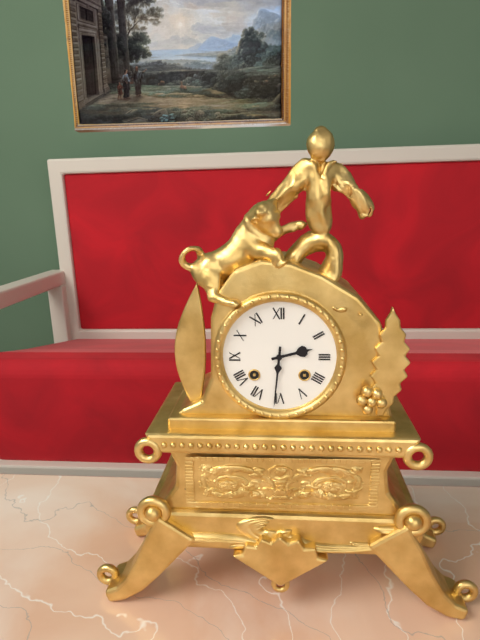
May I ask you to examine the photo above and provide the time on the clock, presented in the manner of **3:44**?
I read **2:31**
